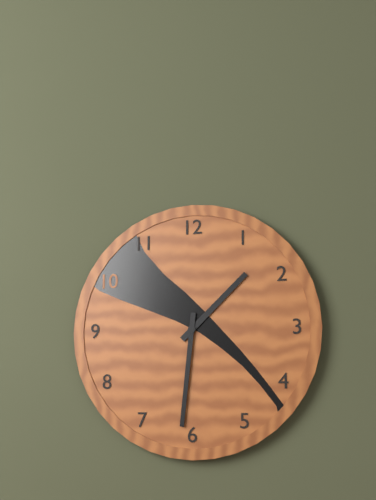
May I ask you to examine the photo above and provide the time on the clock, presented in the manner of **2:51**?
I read **1:31**
